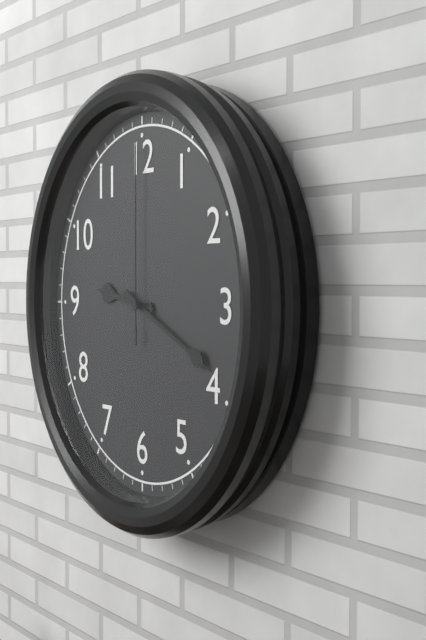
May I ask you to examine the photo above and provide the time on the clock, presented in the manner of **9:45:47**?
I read **9:19:00**
